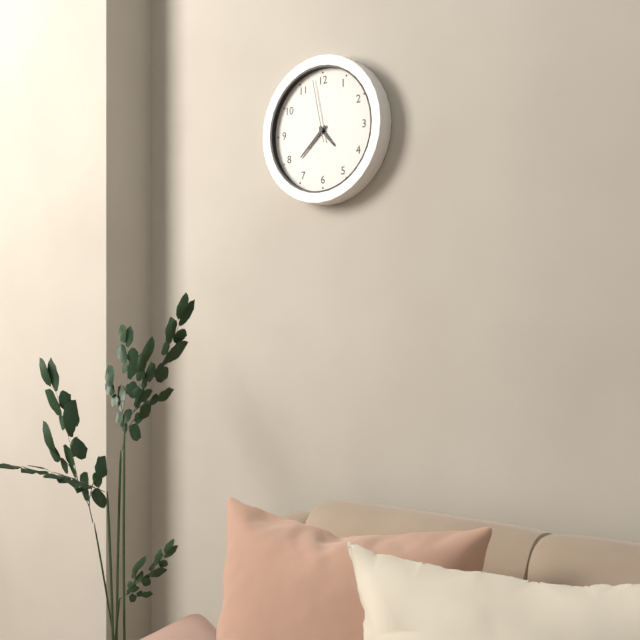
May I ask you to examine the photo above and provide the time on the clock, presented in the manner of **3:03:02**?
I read **4:38:58**
